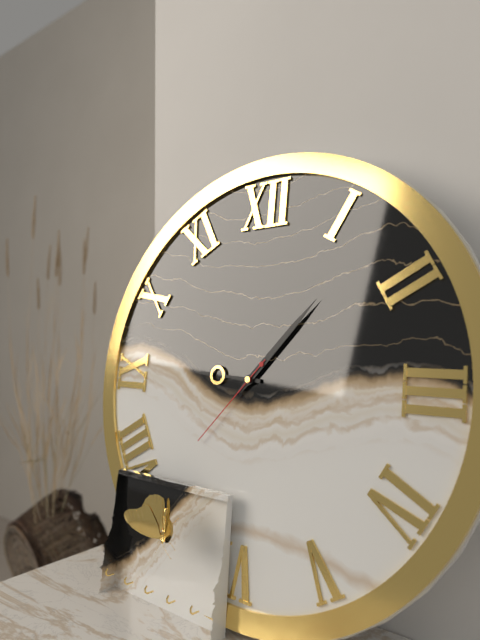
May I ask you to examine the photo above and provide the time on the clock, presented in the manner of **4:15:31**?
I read **9:07:37**
